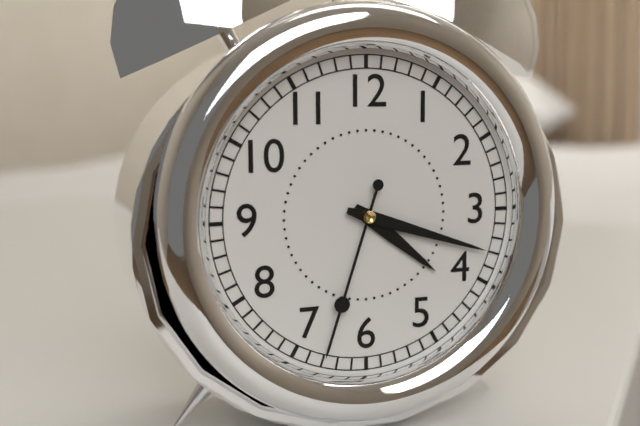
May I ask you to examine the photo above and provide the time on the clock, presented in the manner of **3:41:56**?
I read **4:18:33**
